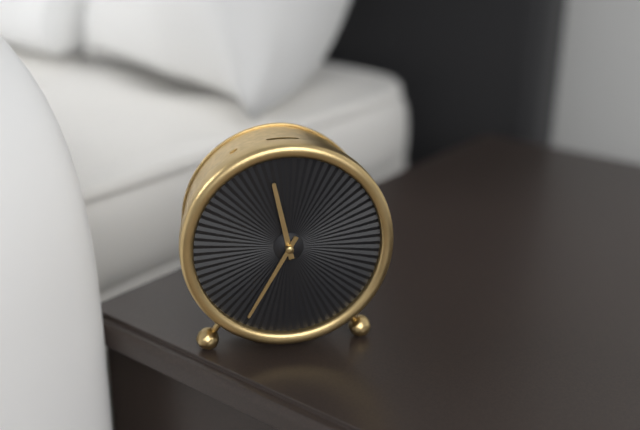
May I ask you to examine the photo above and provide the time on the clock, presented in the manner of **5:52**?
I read **11:35**
